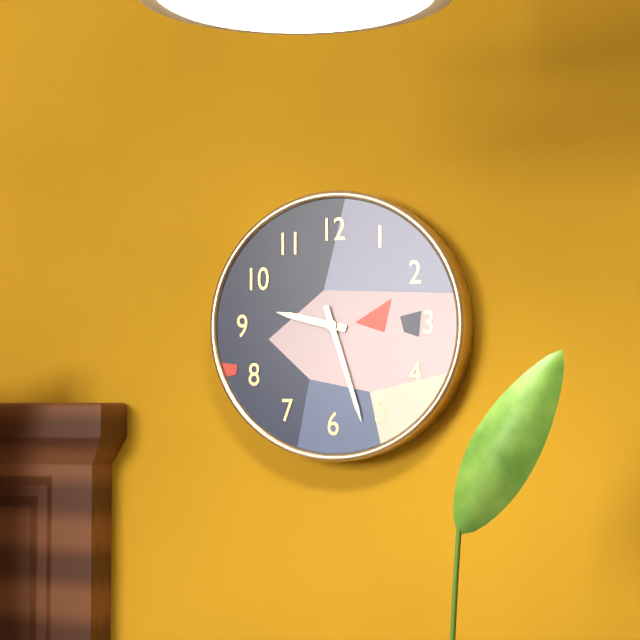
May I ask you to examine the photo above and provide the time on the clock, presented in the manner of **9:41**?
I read **9:27**
